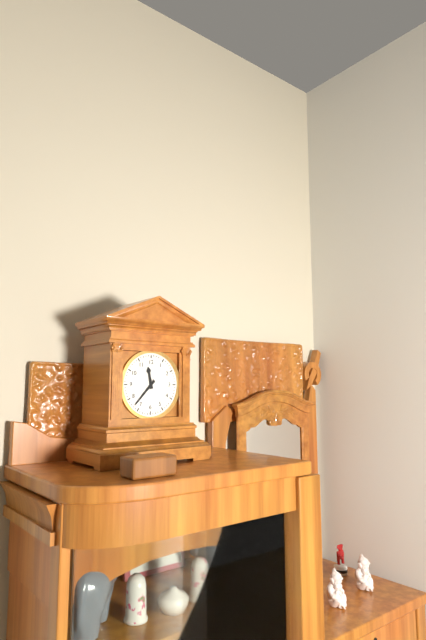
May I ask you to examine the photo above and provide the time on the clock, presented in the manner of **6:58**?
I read **11:37**
